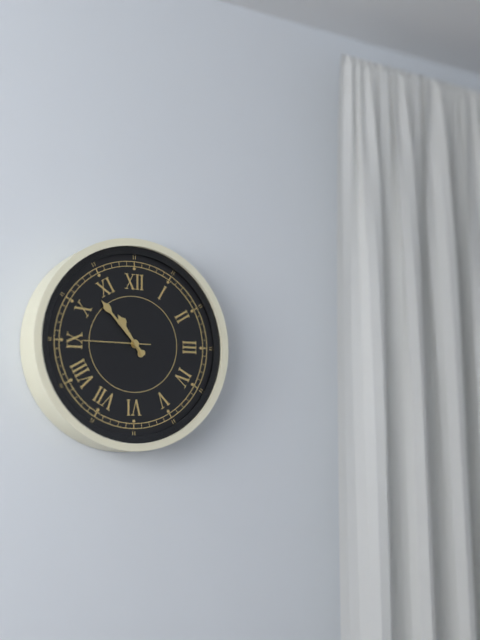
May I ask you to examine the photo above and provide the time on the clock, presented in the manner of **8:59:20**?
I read **10:53:45**
